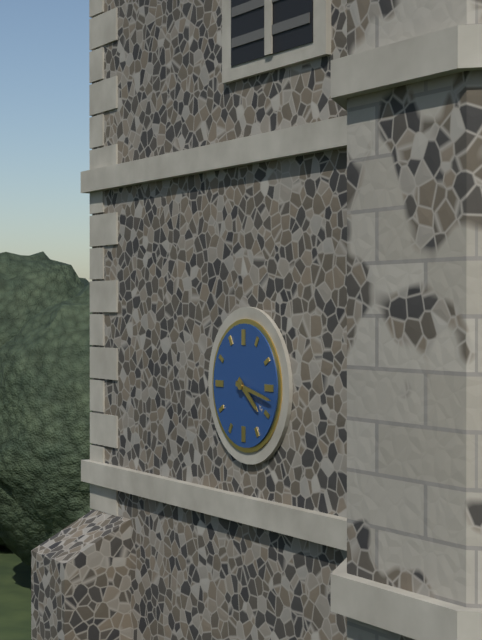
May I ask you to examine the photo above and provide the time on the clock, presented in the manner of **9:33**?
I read **4:17**
